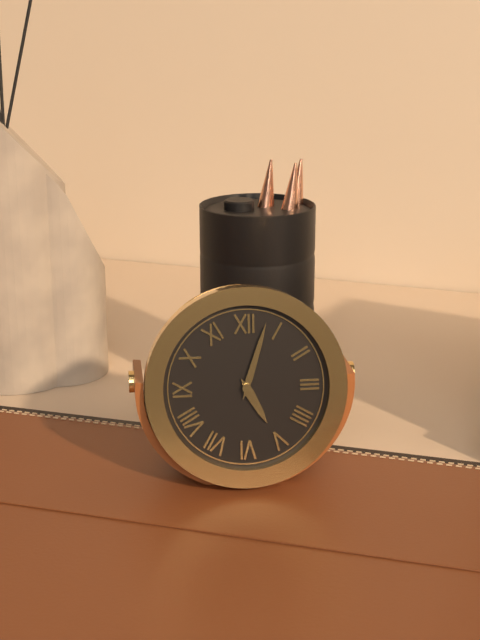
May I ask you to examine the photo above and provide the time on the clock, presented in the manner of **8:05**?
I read **5:03**
